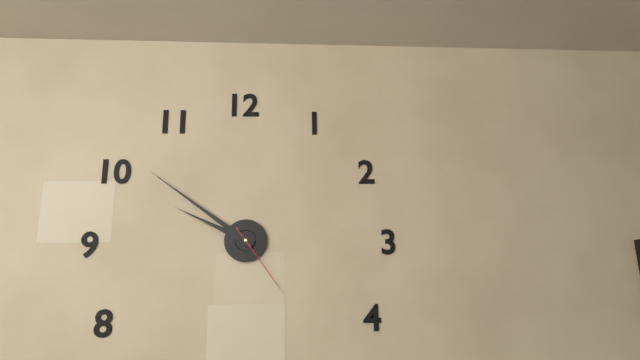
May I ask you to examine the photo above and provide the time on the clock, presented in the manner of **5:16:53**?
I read **9:51:24**
